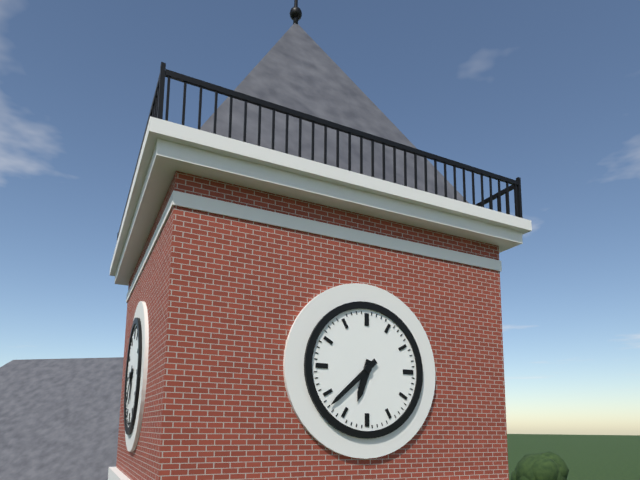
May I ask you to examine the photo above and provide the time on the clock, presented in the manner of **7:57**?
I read **6:38**
